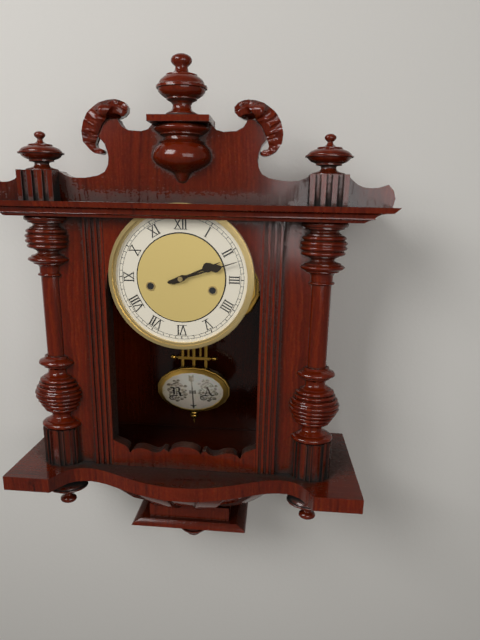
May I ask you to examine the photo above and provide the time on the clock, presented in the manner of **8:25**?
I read **2:12**
